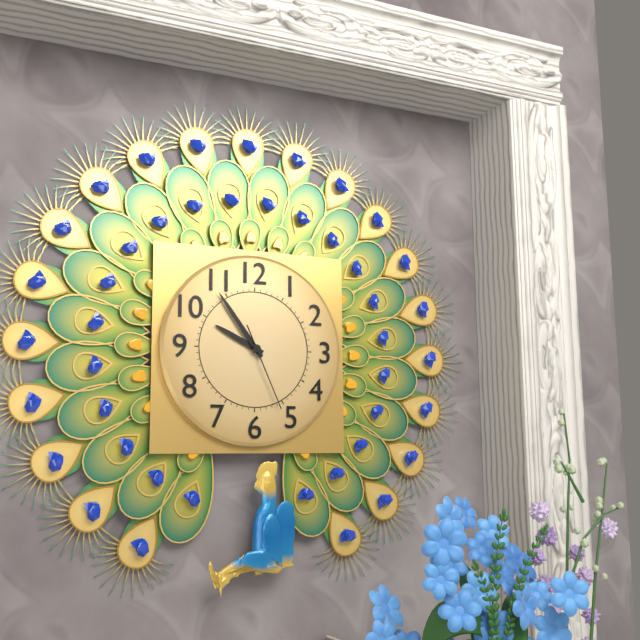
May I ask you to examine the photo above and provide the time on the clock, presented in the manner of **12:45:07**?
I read **9:54:26**
